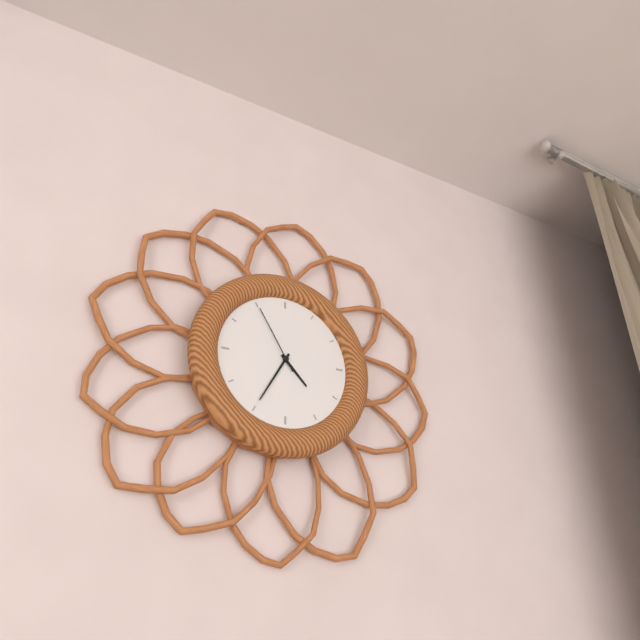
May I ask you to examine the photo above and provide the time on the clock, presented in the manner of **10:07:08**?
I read **4:35:55**
